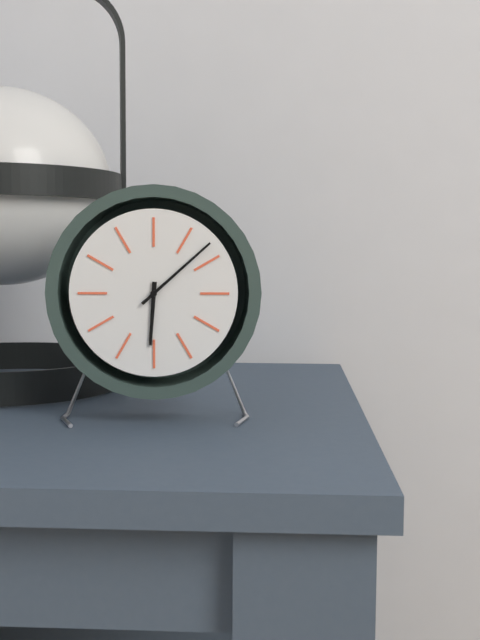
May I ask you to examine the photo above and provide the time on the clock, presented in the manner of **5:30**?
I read **6:08**
